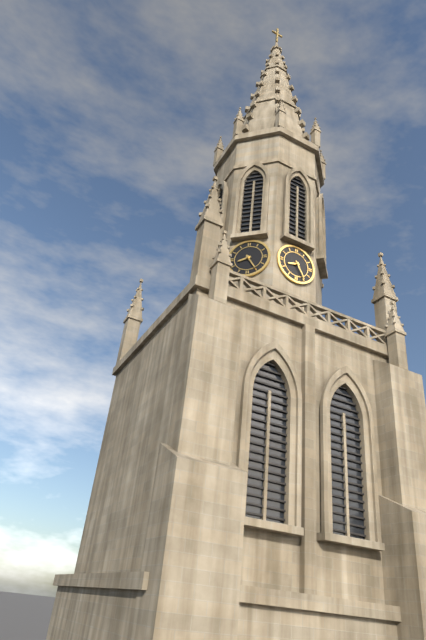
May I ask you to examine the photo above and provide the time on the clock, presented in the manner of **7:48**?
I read **8:25**
